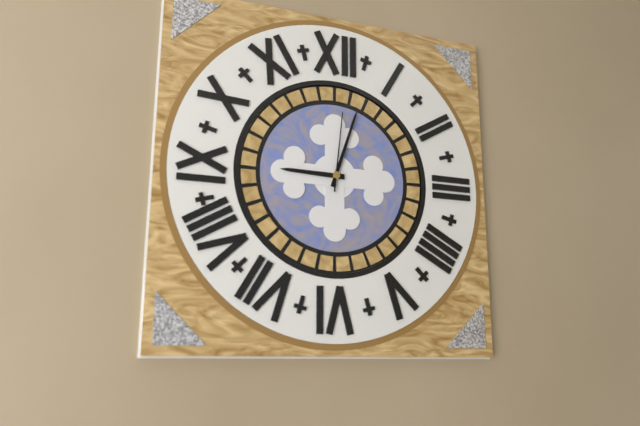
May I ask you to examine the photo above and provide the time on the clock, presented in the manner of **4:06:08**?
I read **9:03:01**
